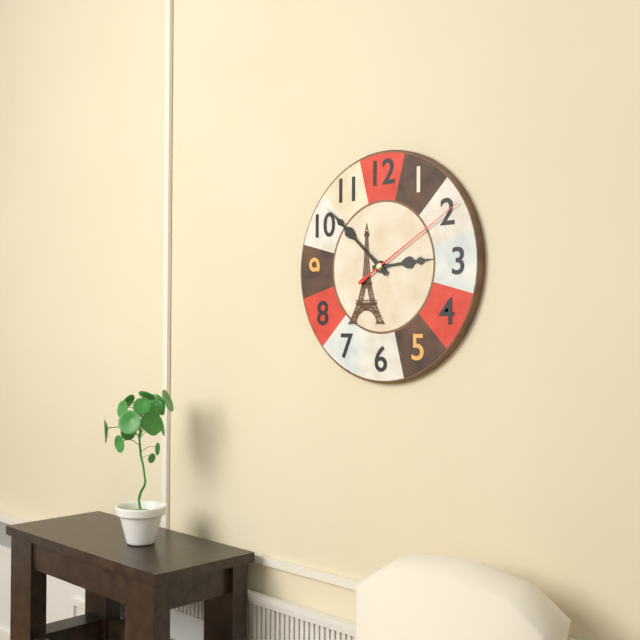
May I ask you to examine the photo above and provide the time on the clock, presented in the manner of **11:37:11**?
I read **2:52:10**
